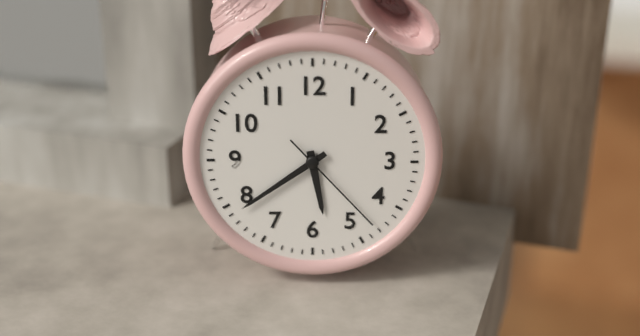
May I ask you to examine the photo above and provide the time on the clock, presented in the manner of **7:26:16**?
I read **5:39:23**
